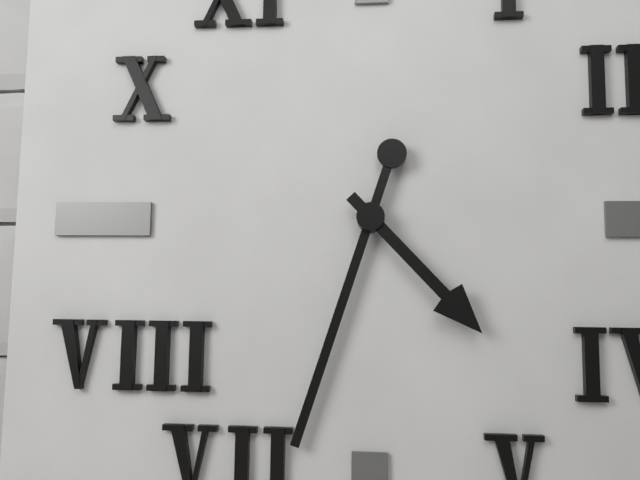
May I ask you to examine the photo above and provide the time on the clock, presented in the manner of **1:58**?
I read **4:33**
